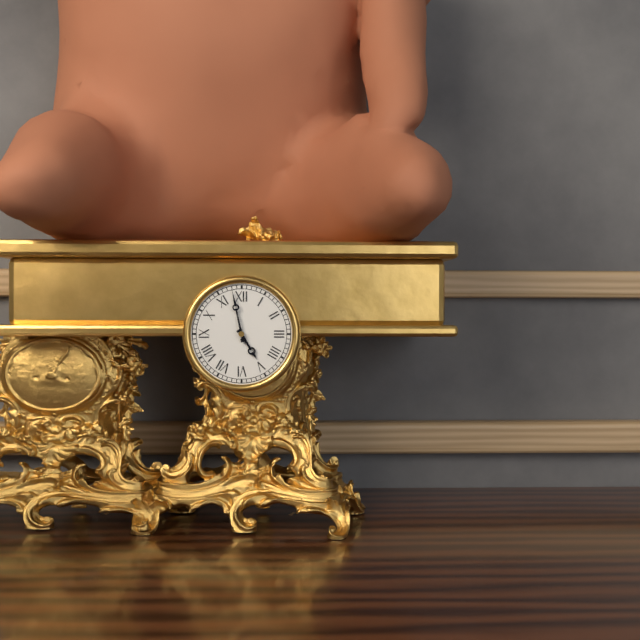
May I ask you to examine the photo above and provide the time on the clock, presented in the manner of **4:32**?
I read **4:58**
